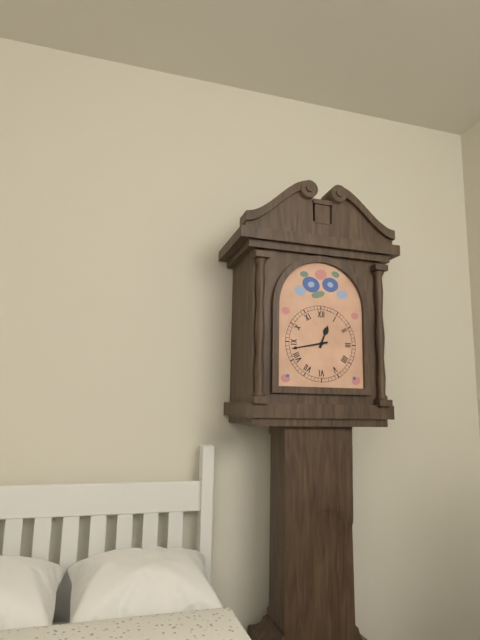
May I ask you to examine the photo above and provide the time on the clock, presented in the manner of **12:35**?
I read **12:43**
